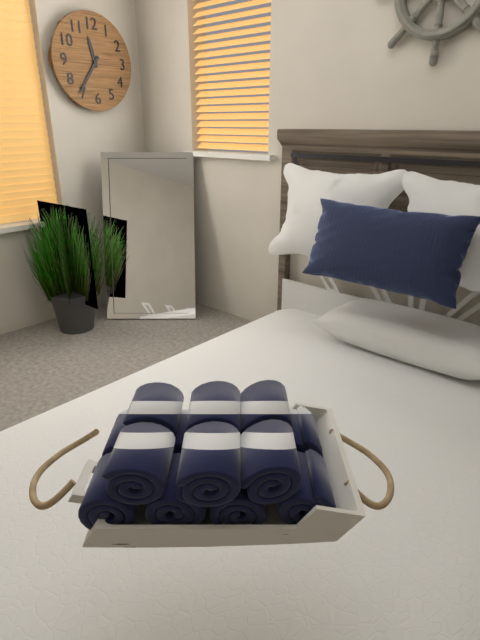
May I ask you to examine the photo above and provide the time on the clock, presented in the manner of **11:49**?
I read **11:36**
